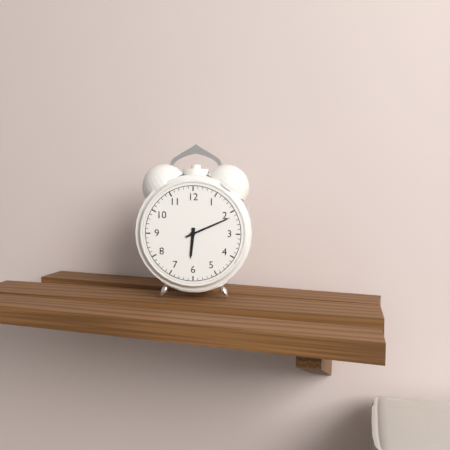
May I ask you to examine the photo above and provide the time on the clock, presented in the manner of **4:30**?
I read **6:11**
